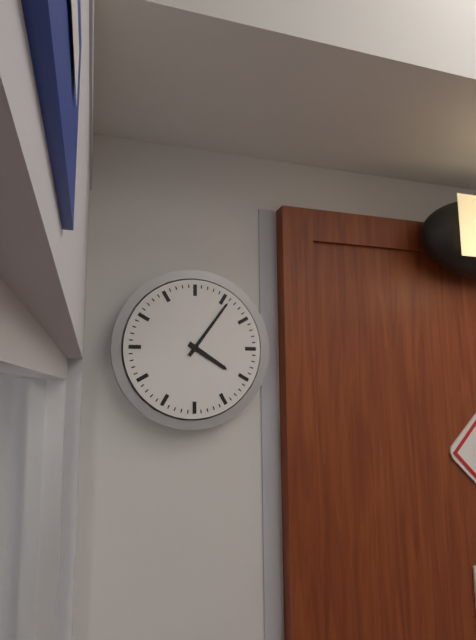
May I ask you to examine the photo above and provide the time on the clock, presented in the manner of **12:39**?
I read **4:06**
